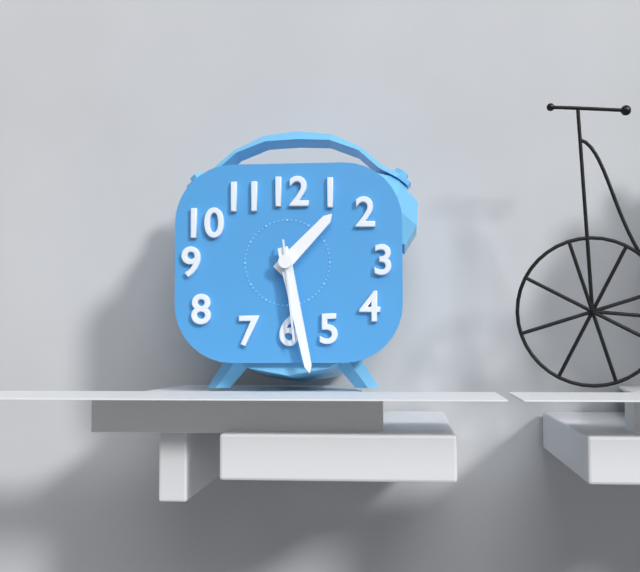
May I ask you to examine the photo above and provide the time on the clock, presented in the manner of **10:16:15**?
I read **1:28:29**
